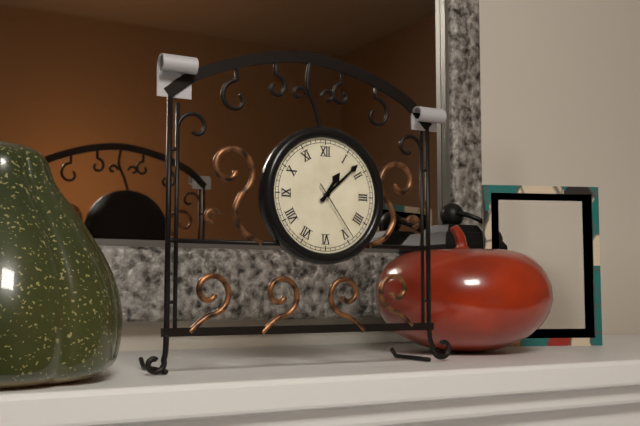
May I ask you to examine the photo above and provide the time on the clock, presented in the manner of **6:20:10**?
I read **1:08:24**
